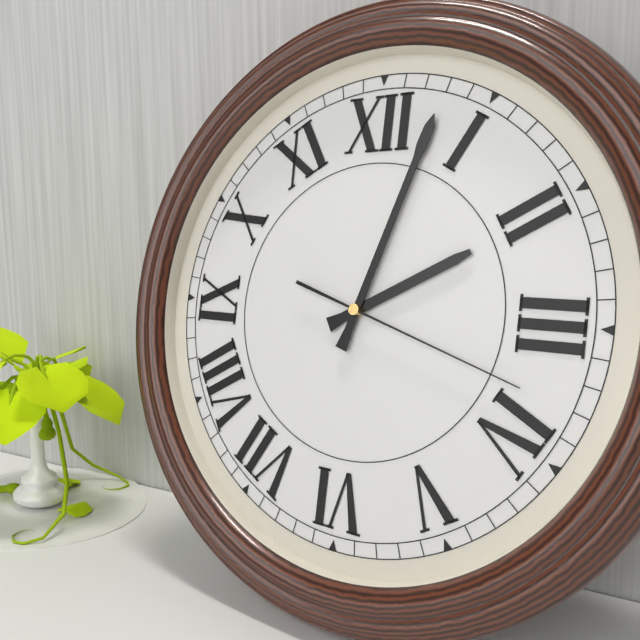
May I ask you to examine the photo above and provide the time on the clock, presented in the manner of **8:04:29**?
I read **2:03:18**
